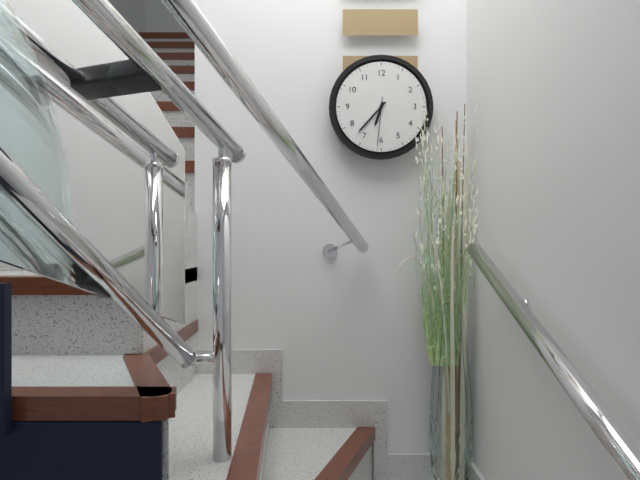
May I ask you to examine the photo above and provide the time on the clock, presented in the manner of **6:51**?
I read **6:37**
